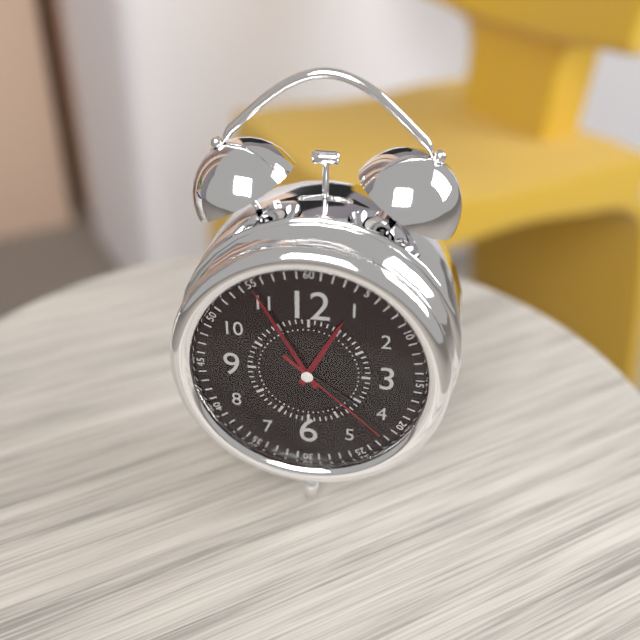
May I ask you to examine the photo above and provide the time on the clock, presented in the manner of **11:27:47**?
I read **12:55:22**
